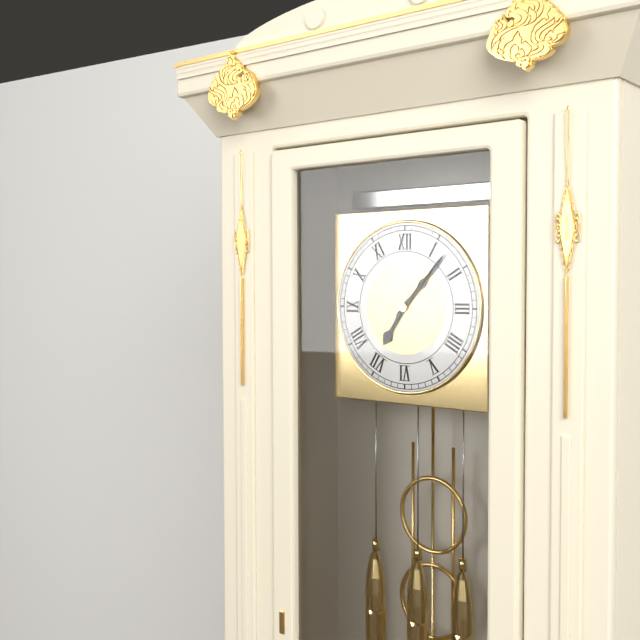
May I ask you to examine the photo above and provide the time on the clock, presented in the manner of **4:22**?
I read **7:07**
